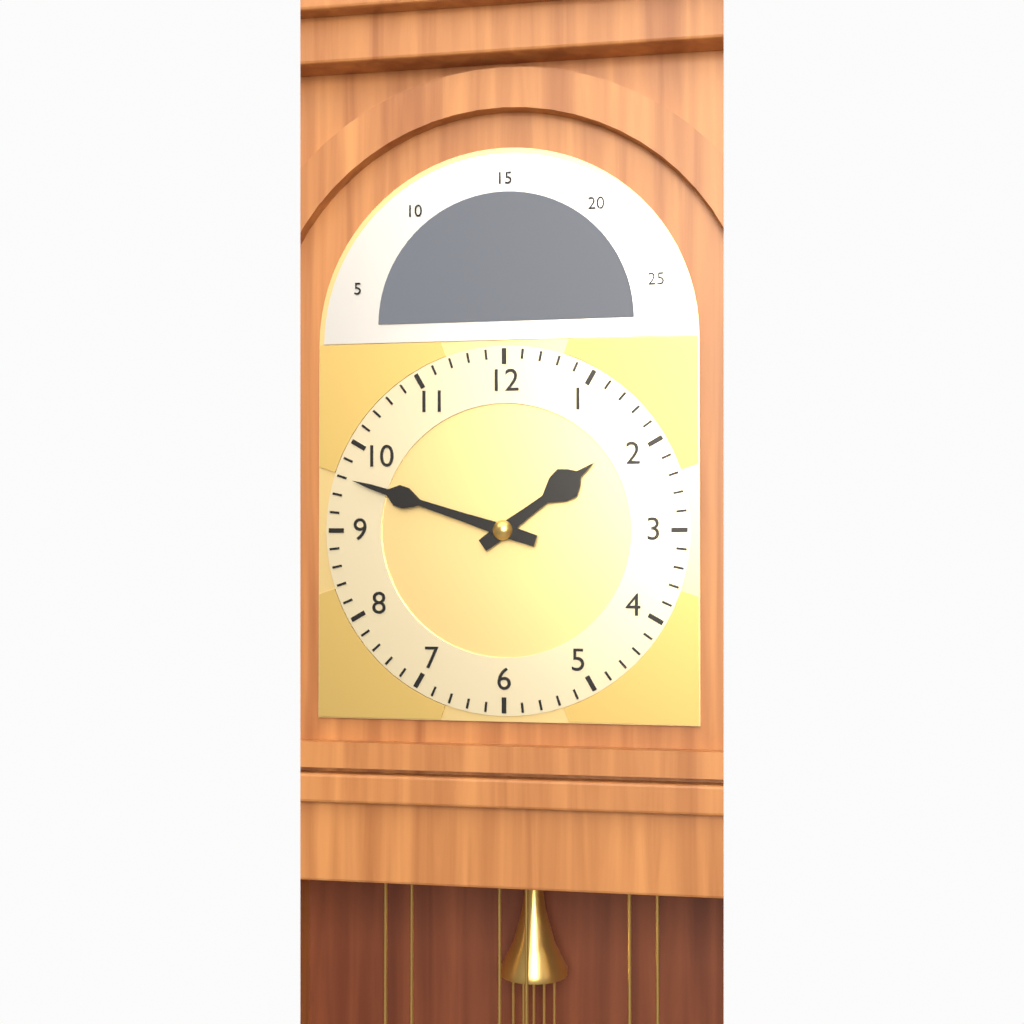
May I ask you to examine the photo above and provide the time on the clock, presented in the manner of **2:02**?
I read **1:48**
